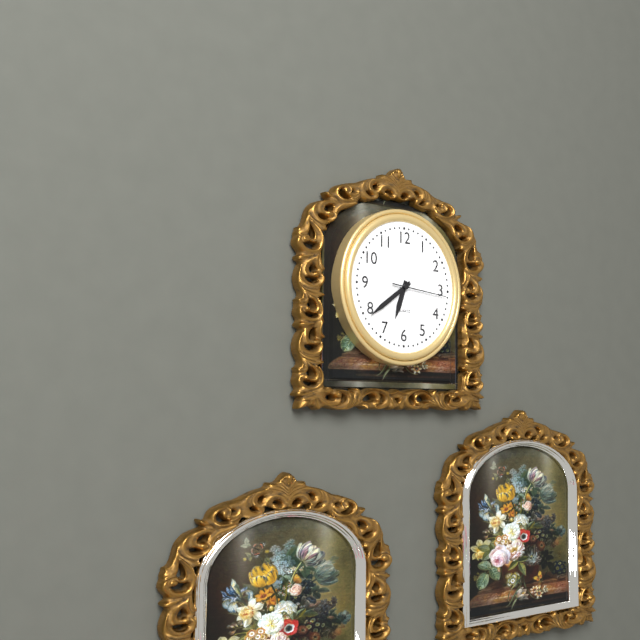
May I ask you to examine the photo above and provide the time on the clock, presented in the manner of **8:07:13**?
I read **6:39:16**
